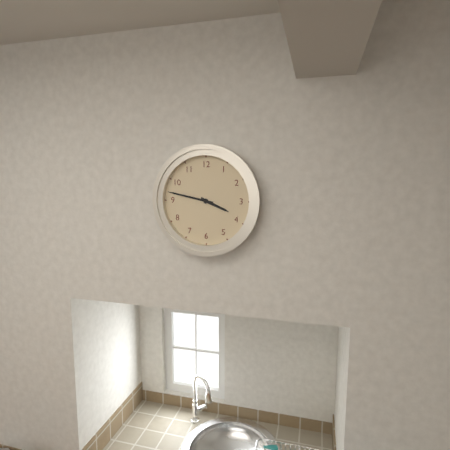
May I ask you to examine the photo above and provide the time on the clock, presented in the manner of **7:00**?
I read **3:47**
